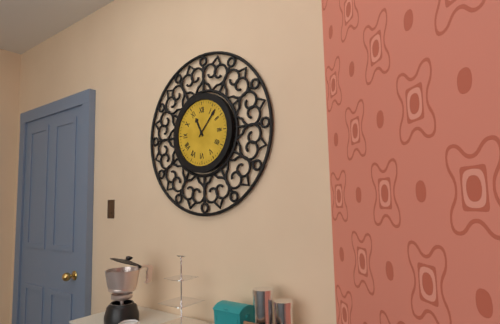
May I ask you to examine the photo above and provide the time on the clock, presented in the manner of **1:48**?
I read **11:07**
